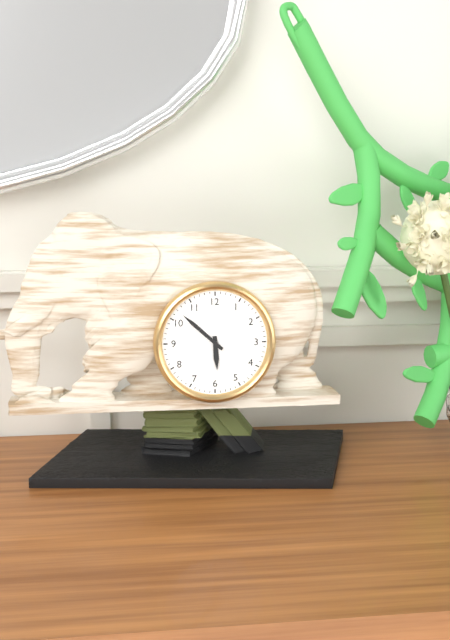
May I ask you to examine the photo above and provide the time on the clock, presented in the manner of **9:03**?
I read **5:52**
